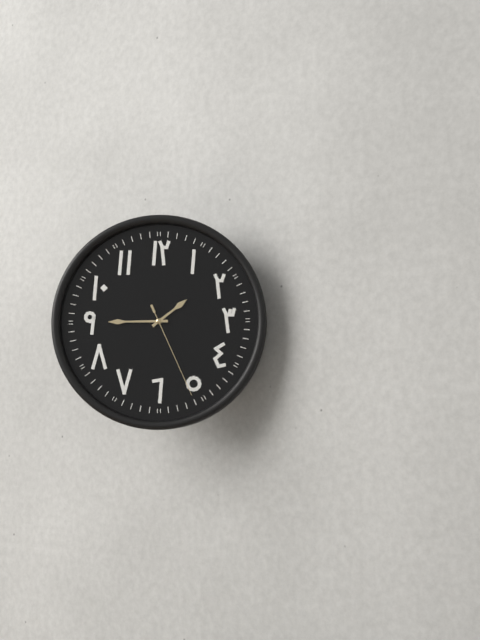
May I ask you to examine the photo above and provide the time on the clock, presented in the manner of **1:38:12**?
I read **1:45:26**
